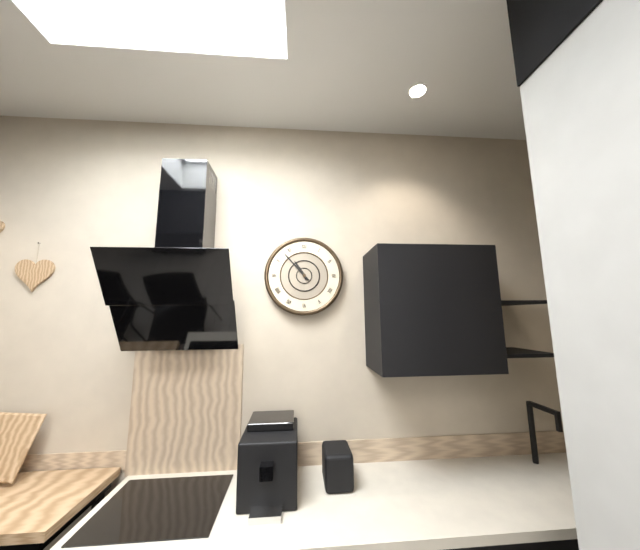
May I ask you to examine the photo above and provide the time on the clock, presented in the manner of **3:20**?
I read **10:53**
